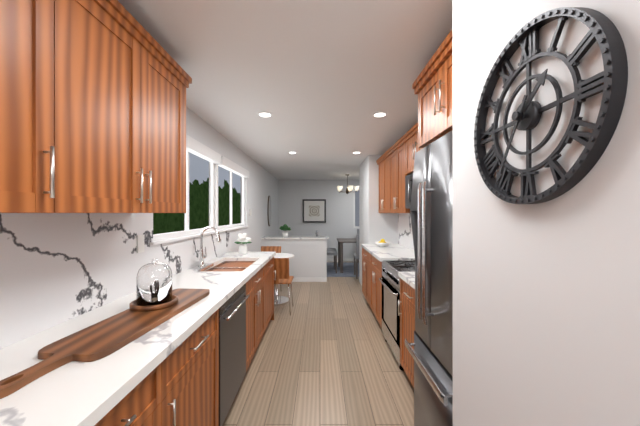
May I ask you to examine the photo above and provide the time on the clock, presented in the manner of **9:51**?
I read **1:35**
